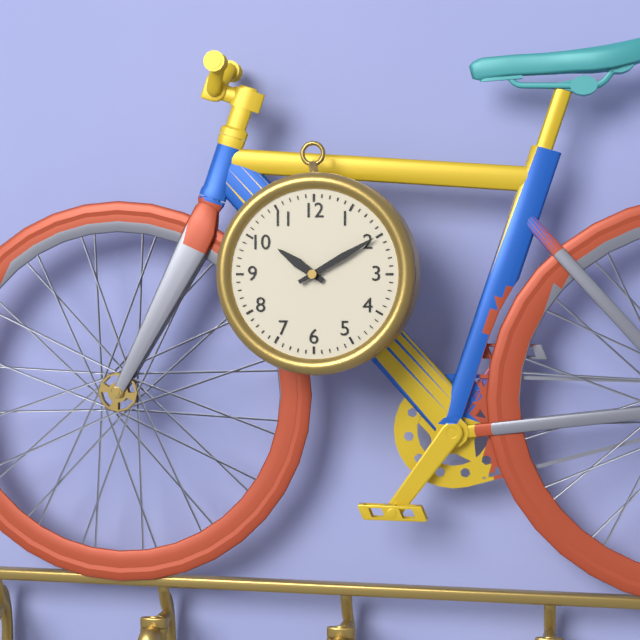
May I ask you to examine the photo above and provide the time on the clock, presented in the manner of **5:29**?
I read **10:10**
